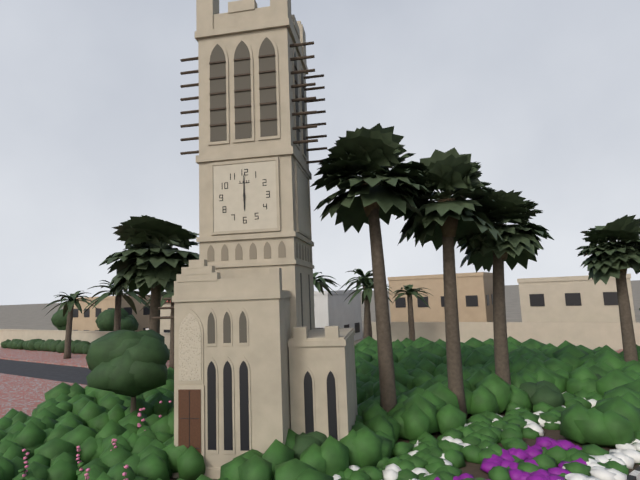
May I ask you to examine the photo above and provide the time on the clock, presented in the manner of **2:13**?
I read **6:00**
